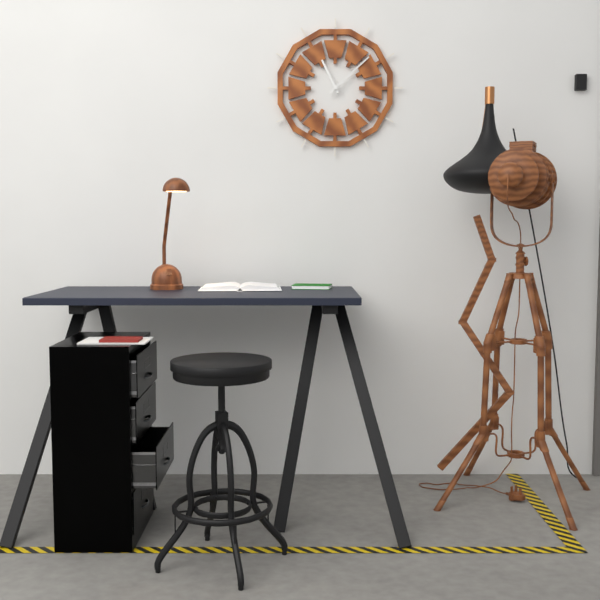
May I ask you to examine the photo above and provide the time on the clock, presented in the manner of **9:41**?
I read **11:08**
